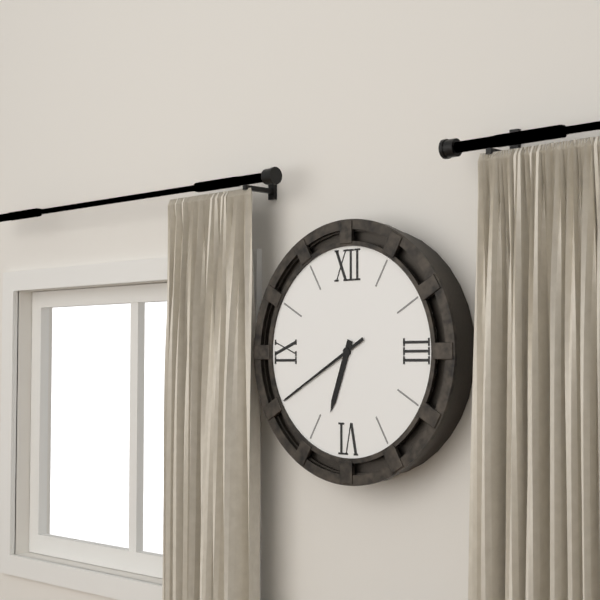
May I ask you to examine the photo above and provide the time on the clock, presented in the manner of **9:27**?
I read **6:40**
